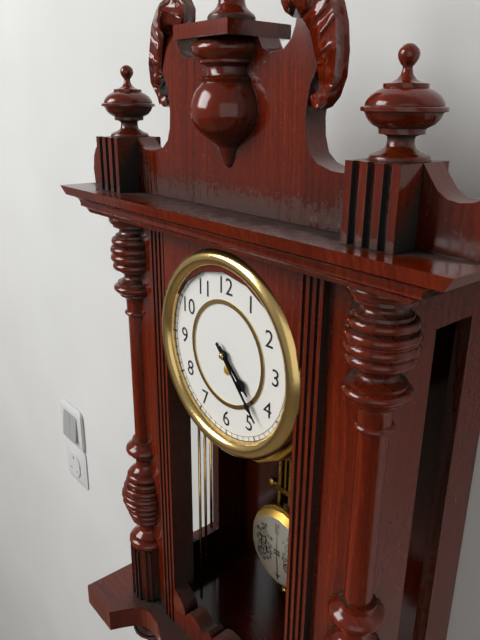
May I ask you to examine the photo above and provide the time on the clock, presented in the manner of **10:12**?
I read **4:23**
